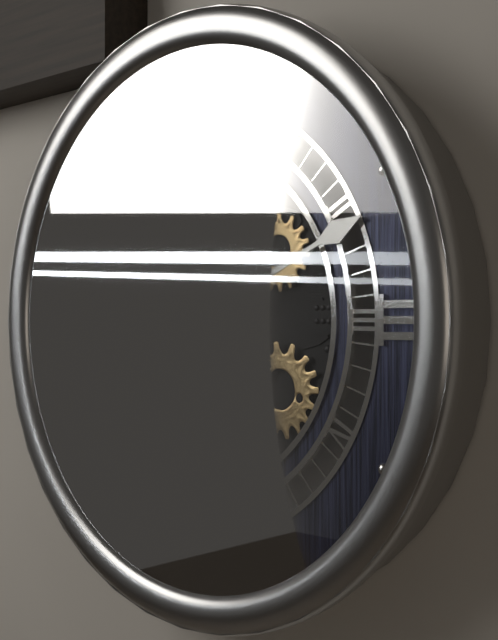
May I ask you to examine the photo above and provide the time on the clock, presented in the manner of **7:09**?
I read **7:11**
